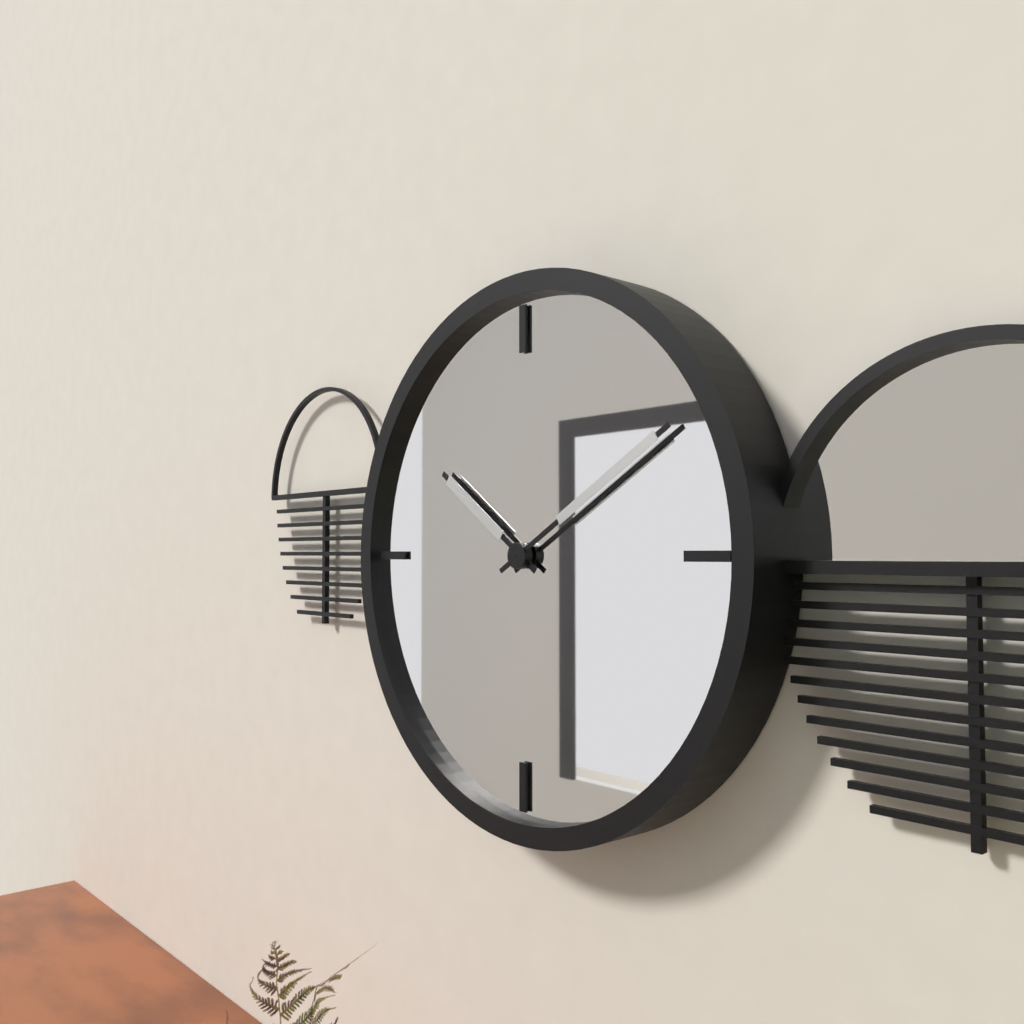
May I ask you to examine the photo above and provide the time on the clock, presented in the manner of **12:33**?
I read **10:10**
